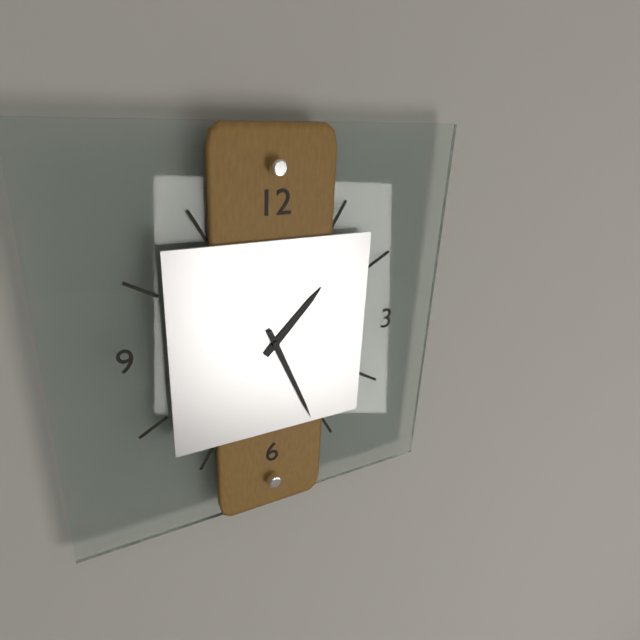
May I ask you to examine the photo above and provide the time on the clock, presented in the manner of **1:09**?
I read **1:26**
